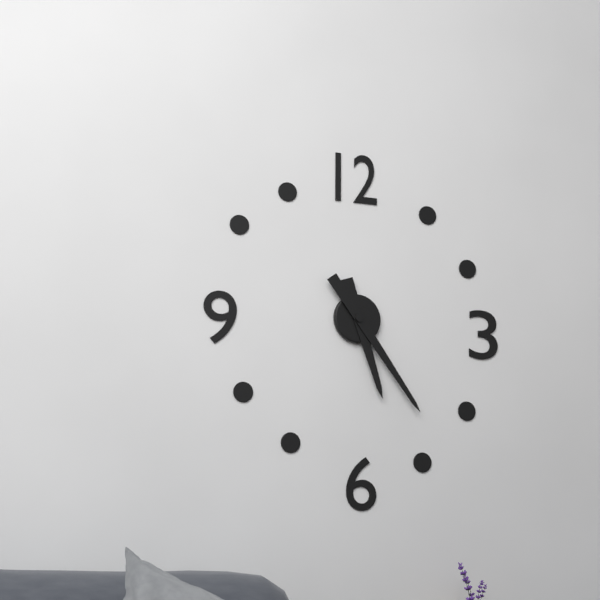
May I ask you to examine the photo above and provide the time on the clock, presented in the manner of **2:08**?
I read **5:24**
